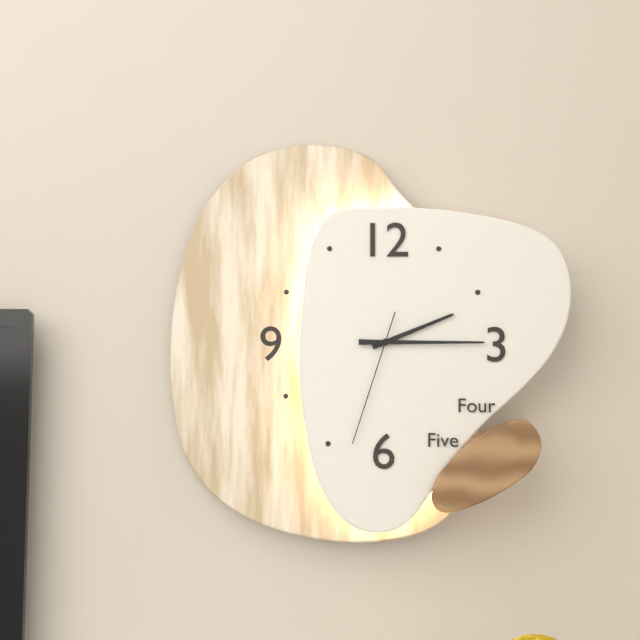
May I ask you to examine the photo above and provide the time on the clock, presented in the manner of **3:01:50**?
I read **2:15:33**
